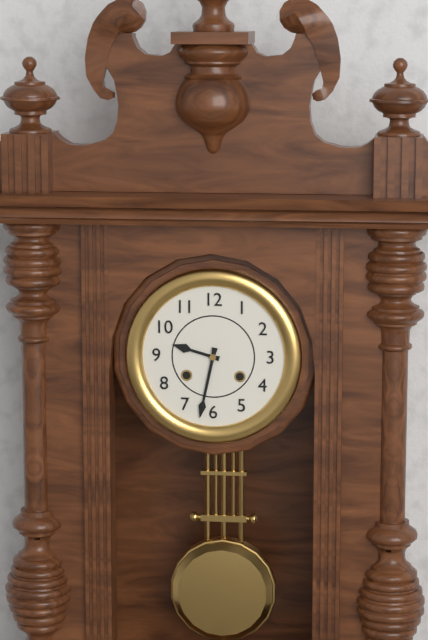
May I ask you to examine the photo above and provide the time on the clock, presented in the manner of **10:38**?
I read **9:32**
